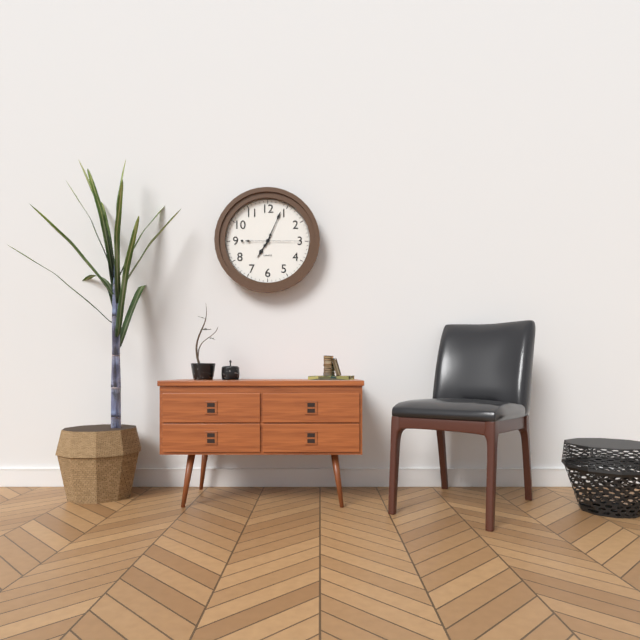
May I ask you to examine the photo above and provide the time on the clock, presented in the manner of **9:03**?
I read **7:04**
